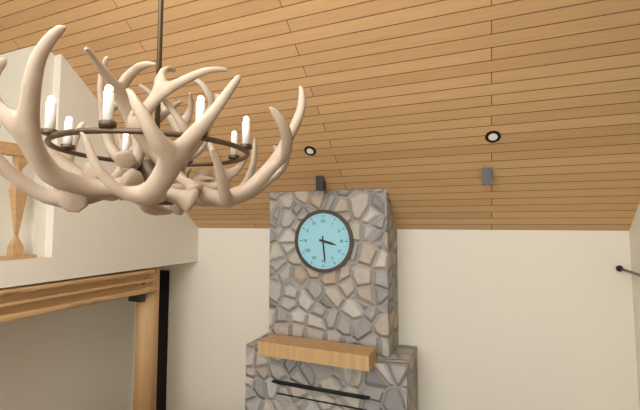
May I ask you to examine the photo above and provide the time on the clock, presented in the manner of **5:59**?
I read **3:29**
